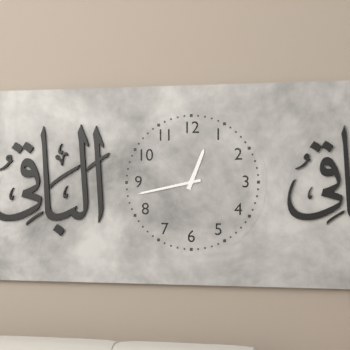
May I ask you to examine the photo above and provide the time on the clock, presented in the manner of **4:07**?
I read **12:43**
